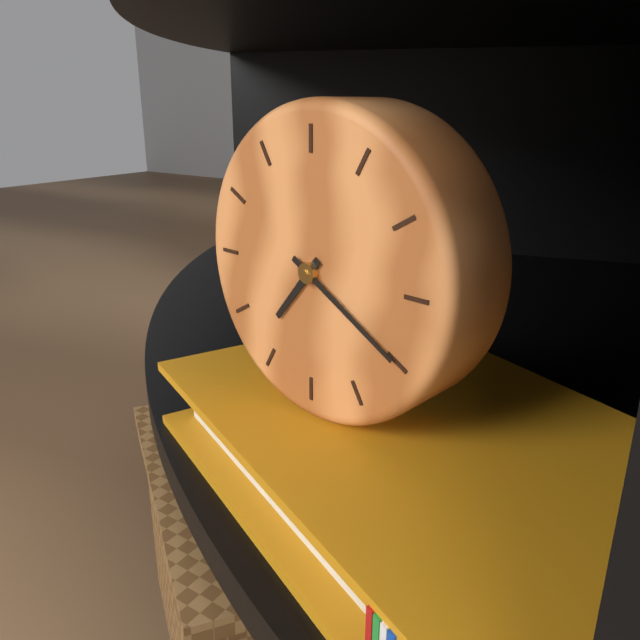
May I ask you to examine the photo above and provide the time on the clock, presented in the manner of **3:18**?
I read **7:20**
